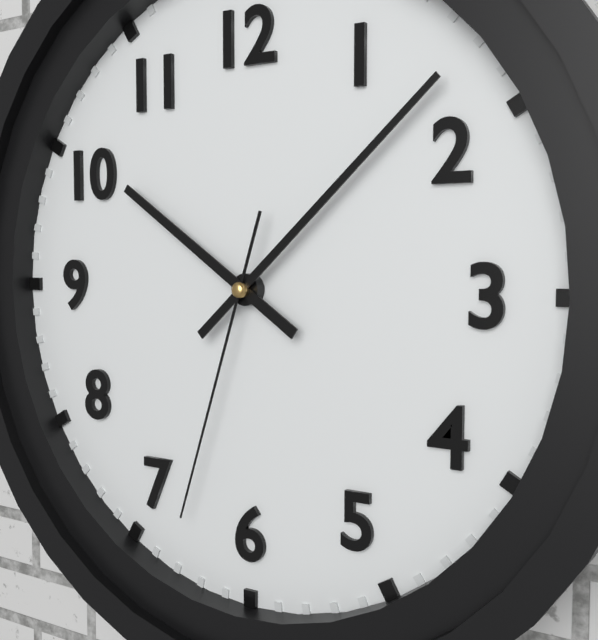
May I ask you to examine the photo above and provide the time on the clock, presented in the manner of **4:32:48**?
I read **10:08:33**
